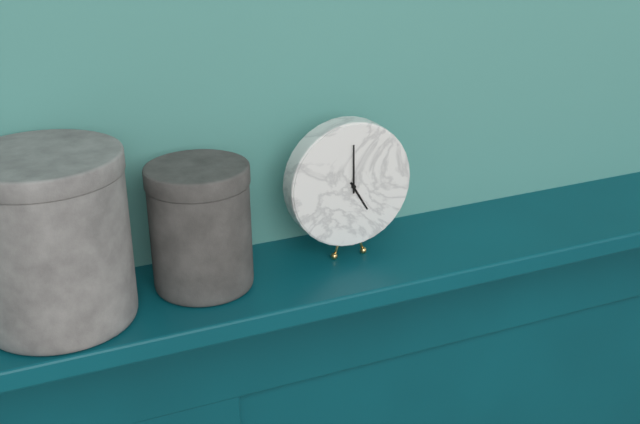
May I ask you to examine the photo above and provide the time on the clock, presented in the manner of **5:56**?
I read **5:00**
